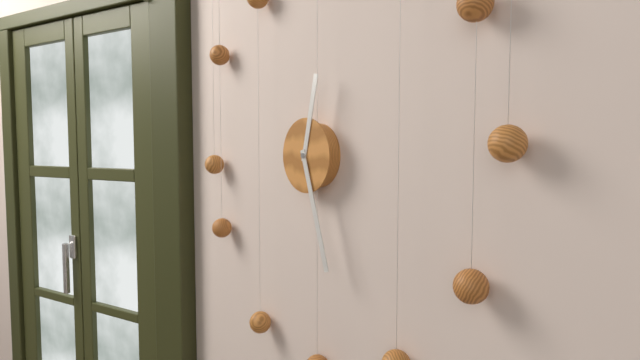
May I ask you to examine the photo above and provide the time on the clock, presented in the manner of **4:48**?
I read **12:27**
